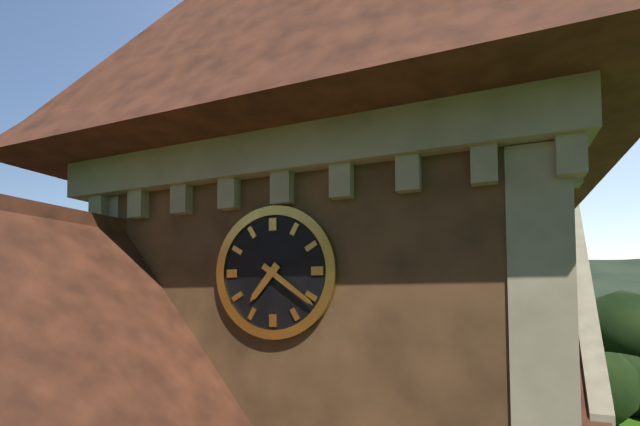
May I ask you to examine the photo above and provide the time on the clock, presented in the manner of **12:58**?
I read **7:21**
